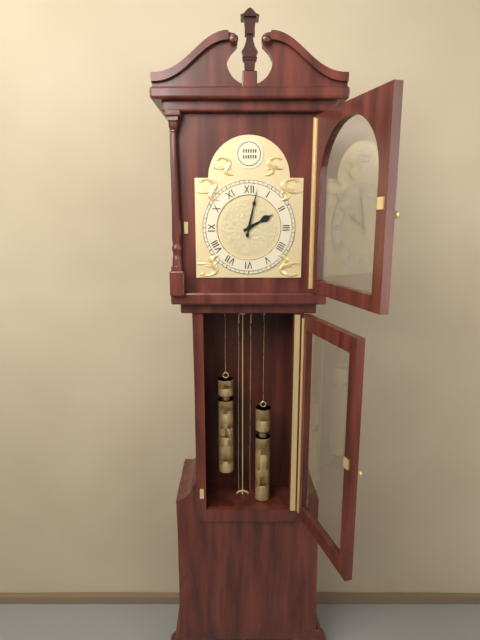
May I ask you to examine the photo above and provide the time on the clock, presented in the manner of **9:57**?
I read **2:02**
